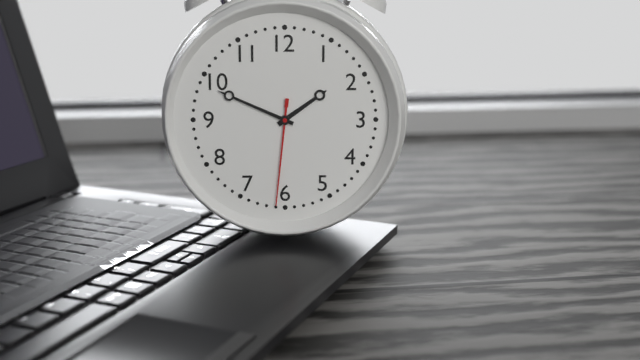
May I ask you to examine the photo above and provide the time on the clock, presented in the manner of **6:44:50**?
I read **1:49:31**
